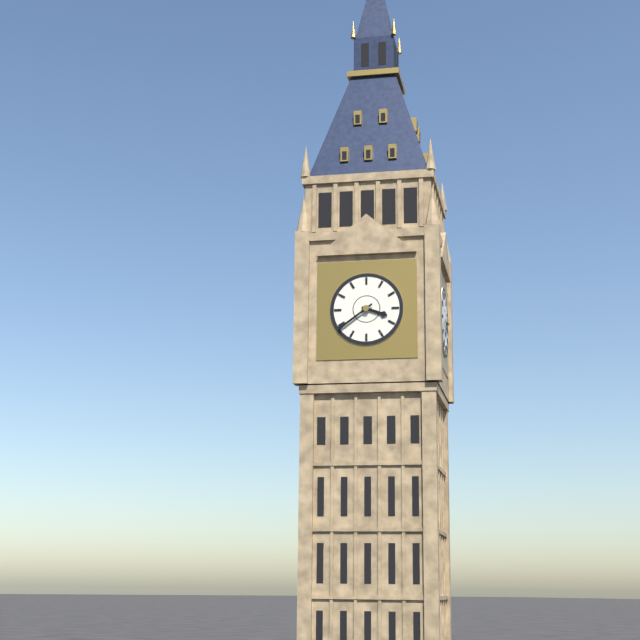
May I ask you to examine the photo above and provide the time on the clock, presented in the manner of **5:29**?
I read **3:39**
